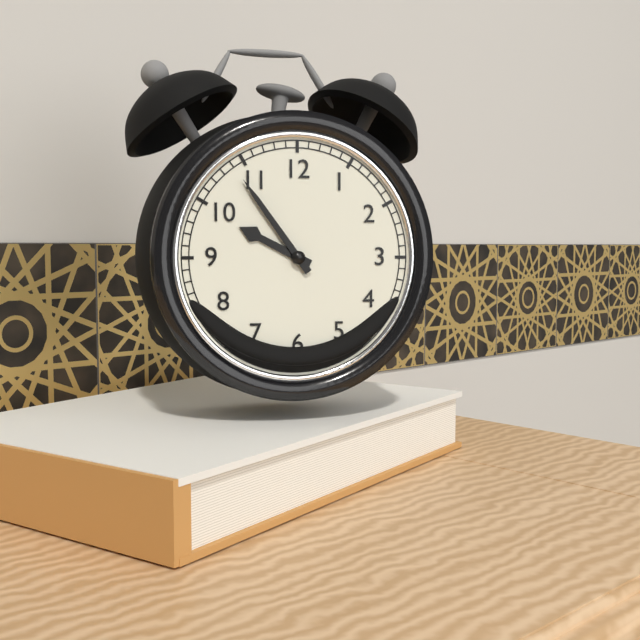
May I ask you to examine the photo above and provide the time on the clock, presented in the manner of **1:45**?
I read **9:54**
